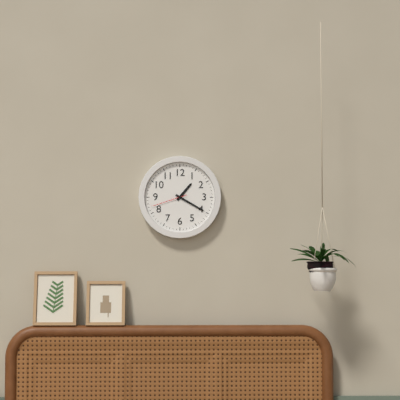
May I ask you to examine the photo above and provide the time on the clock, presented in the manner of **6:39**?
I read **1:20**
